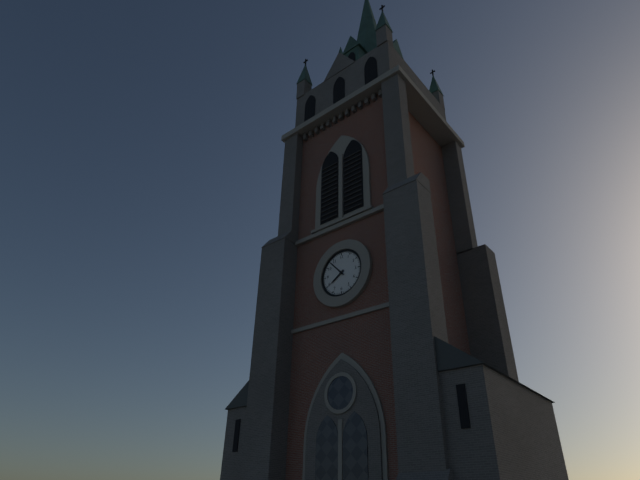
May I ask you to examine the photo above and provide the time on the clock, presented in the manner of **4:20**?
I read **7:53**
